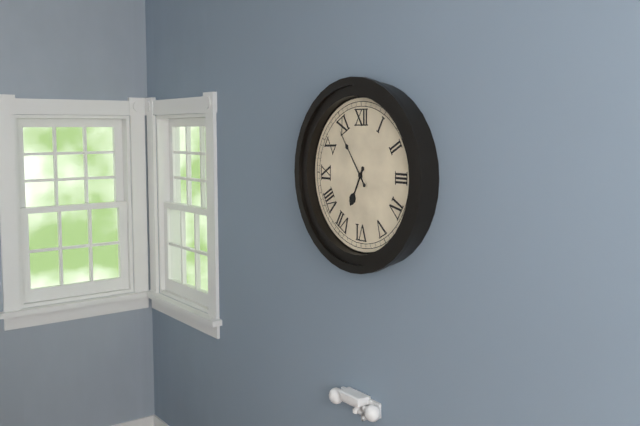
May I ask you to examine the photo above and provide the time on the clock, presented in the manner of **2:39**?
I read **6:54**
